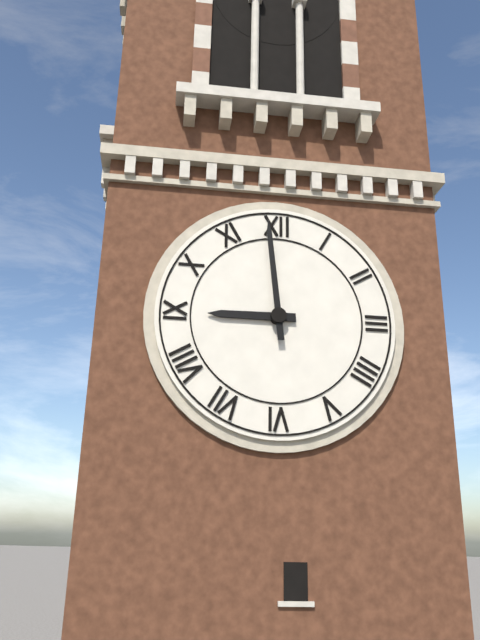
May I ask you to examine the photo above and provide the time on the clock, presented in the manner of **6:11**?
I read **8:59**
